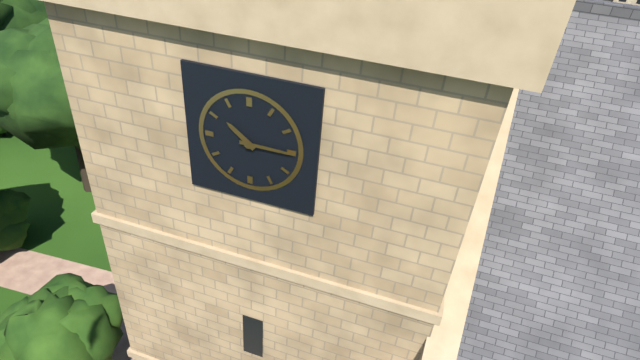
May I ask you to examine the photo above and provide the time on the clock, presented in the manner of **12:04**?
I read **10:15**
